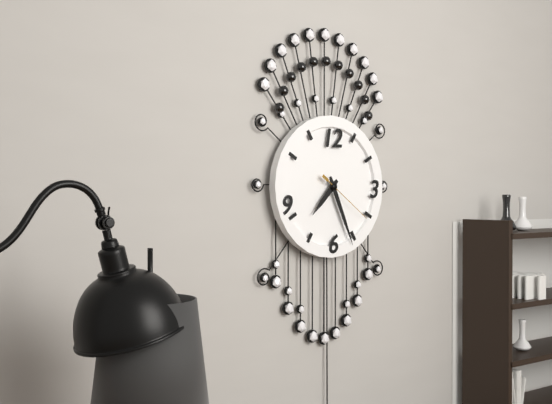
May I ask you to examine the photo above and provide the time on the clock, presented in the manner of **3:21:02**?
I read **7:26:21**
